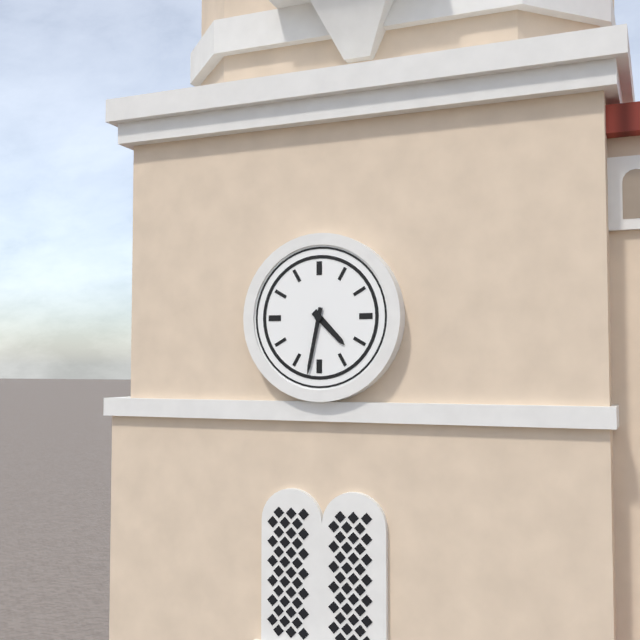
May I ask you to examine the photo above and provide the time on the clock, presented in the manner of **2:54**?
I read **4:32**
